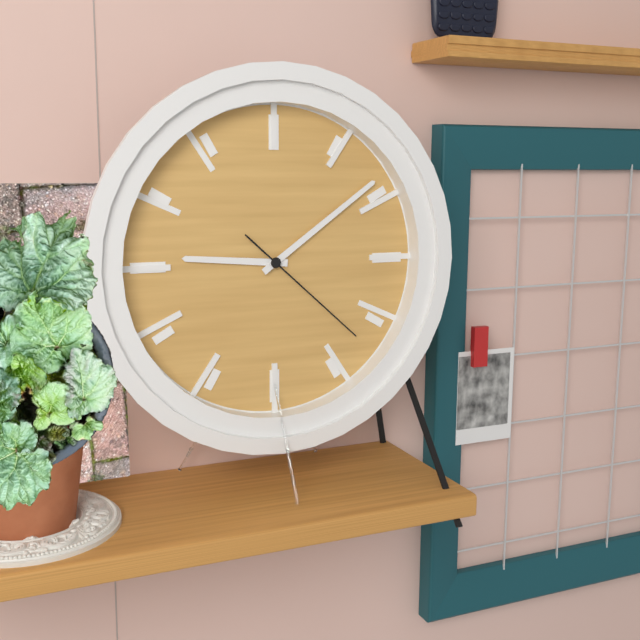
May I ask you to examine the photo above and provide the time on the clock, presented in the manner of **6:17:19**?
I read **9:09:22**
